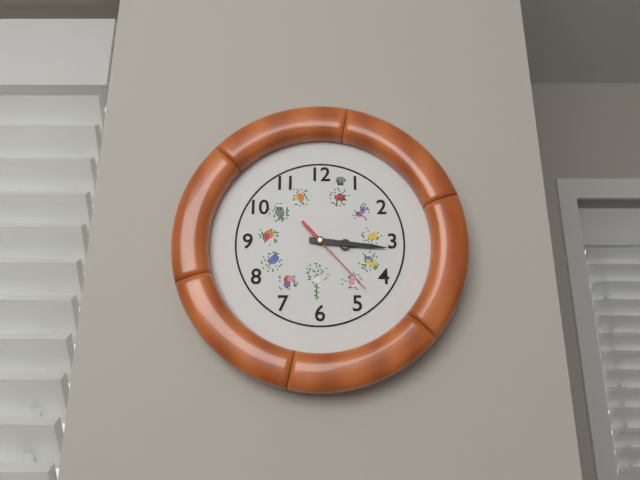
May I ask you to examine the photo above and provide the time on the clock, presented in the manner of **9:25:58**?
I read **3:16:23**
